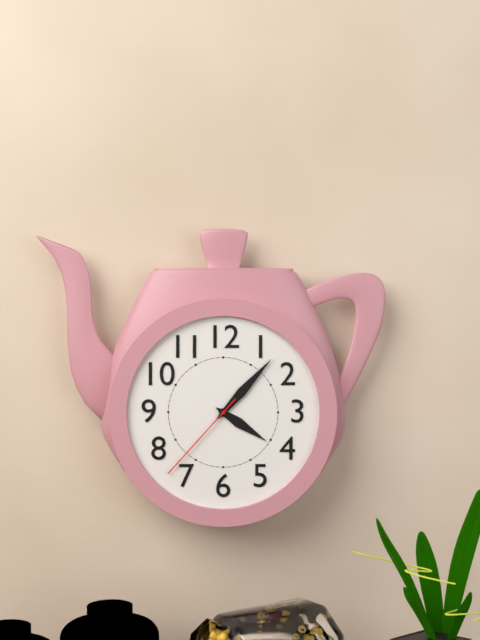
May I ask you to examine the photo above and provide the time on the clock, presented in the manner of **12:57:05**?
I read **4:07:37**
